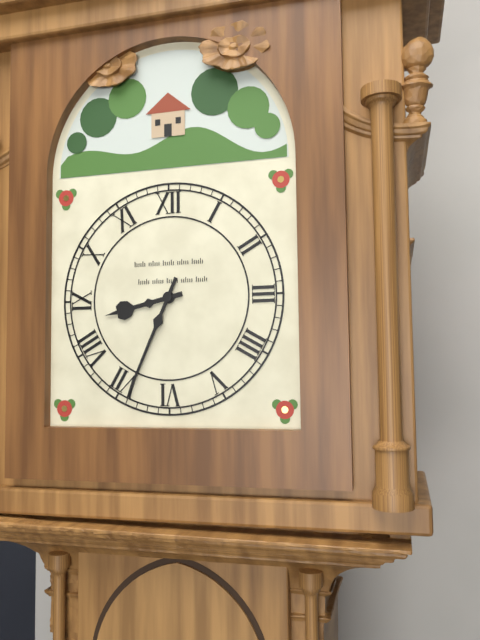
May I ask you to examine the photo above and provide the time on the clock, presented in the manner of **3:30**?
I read **8:34**
